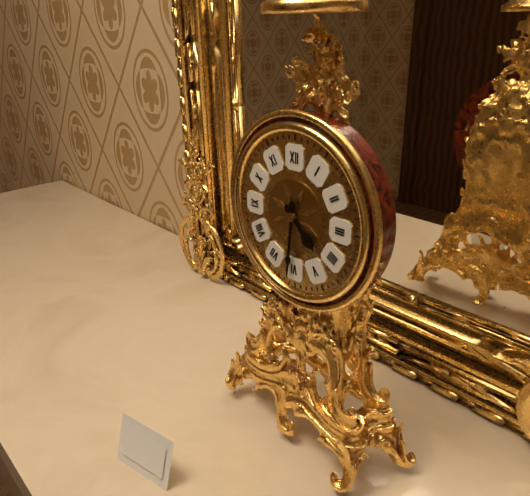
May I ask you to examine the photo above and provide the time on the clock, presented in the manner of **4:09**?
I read **4:31**
